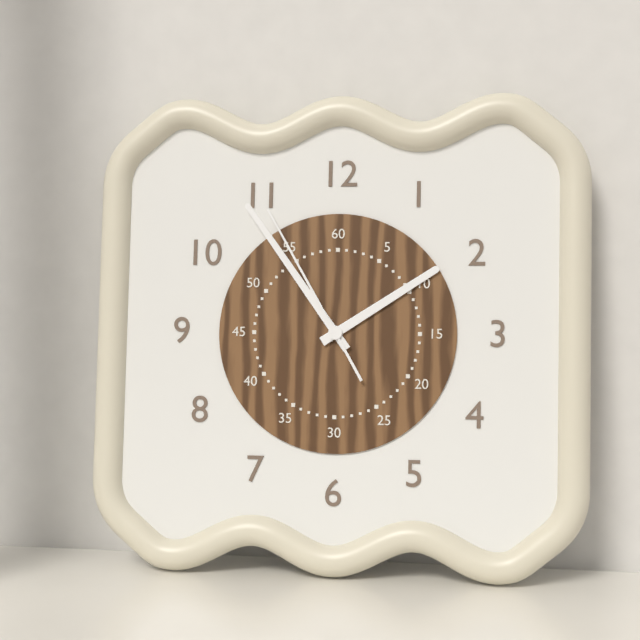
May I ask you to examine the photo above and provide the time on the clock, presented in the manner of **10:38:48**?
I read **1:54:55**
